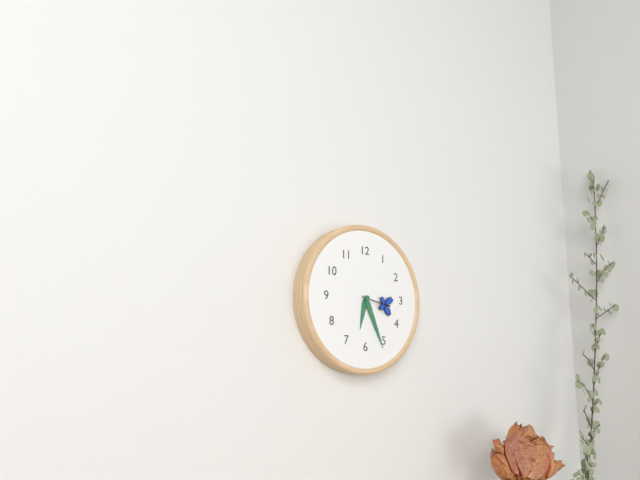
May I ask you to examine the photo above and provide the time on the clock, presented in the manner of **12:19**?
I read **6:26**
